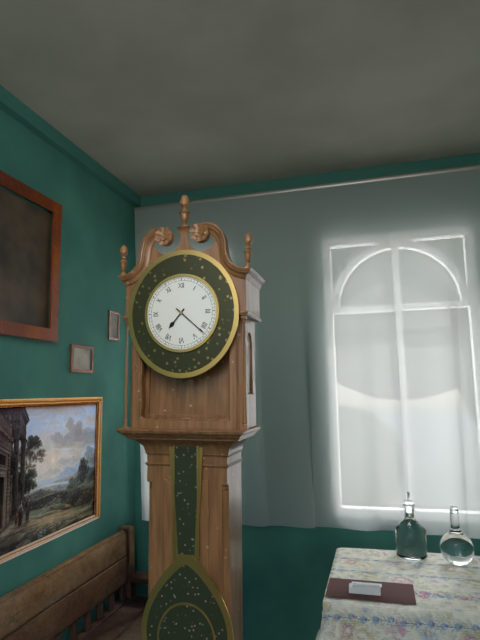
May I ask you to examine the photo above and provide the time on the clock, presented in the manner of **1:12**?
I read **7:22**
